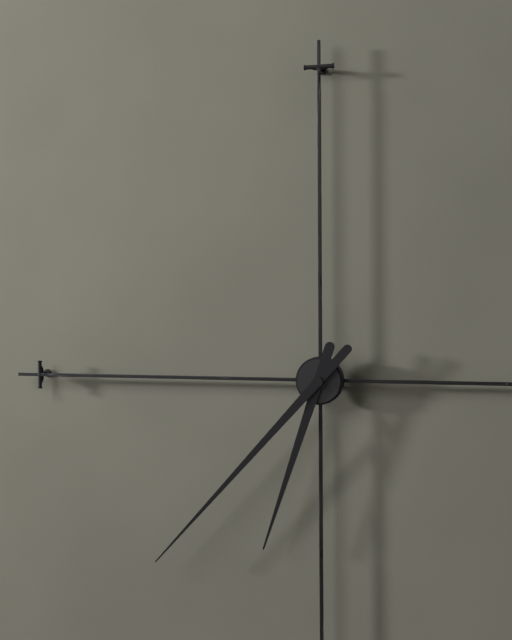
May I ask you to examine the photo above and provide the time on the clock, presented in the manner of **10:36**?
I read **6:37**
